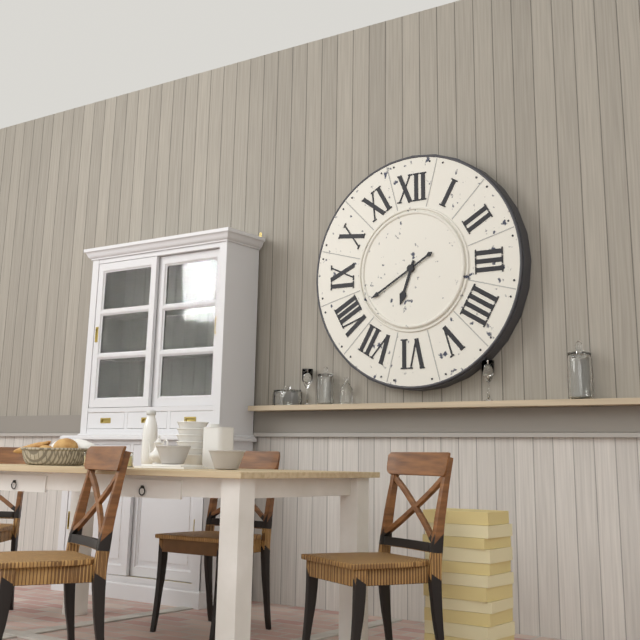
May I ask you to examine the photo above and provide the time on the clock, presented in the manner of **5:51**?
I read **6:40**
